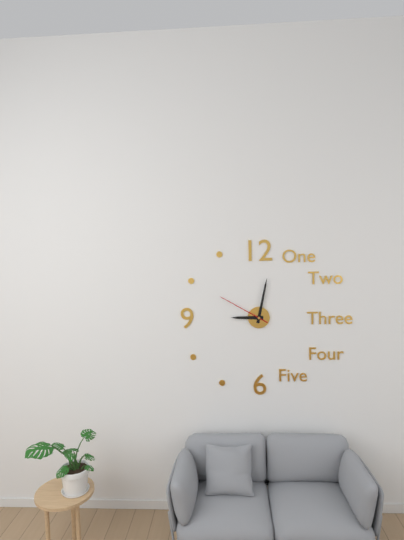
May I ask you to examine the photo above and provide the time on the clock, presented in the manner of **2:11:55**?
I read **9:02:50**
